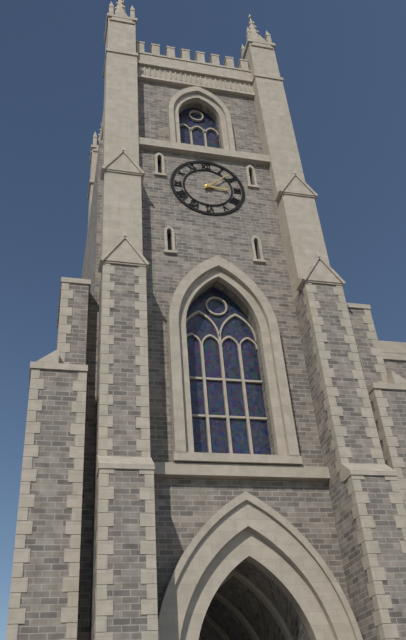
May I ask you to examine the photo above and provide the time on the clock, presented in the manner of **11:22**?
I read **3:08**
